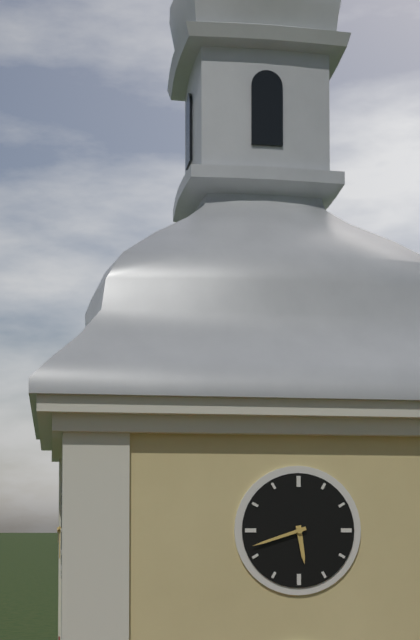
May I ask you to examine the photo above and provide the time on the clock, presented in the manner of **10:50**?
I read **5:42**
